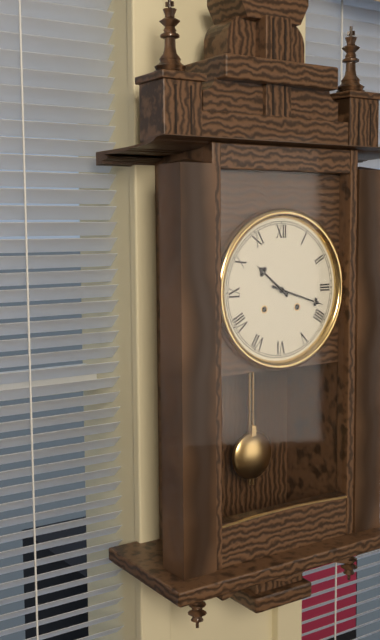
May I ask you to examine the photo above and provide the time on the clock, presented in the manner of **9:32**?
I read **10:18**
